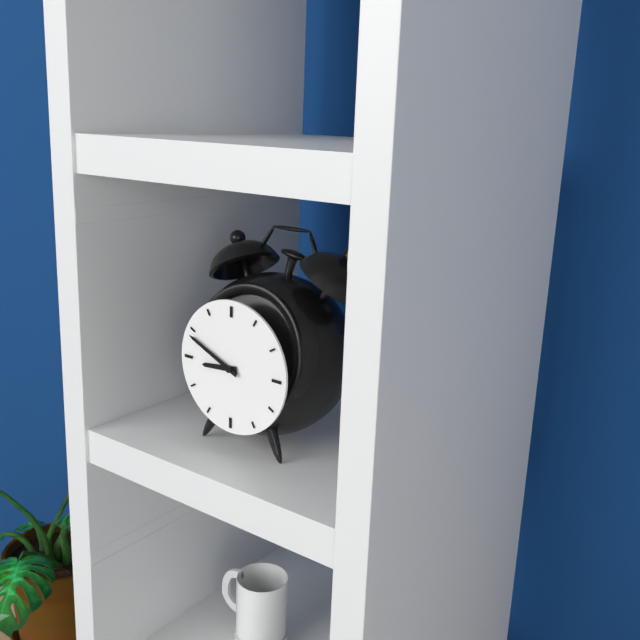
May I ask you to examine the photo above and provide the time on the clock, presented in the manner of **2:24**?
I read **8:49**
